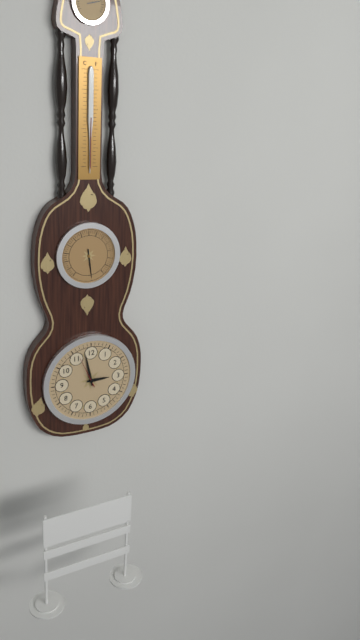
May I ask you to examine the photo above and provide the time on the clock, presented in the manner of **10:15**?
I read **2:58**
